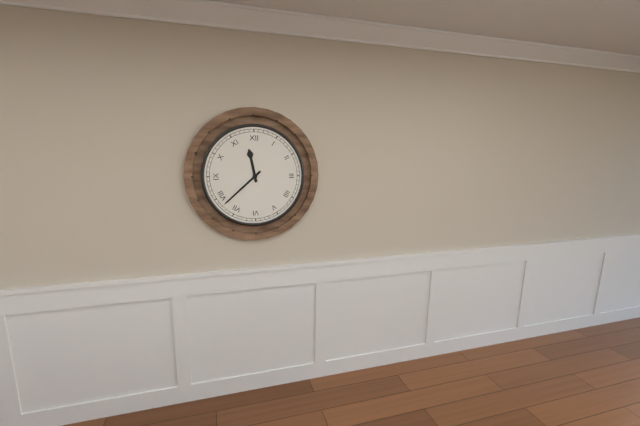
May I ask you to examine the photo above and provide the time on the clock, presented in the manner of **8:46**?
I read **11:38**
